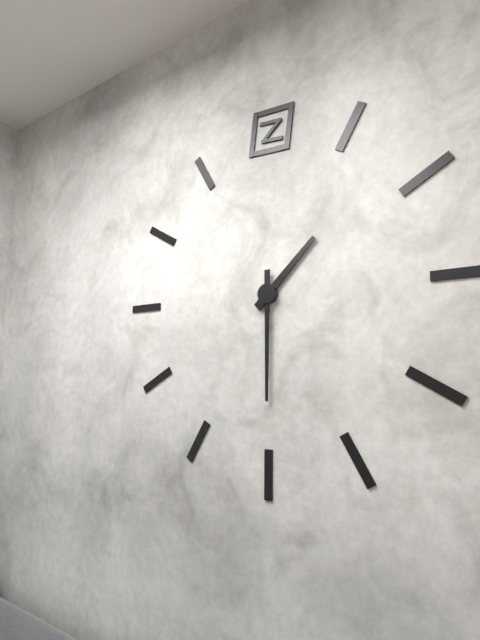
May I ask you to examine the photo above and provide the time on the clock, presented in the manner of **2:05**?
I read **1:30**
